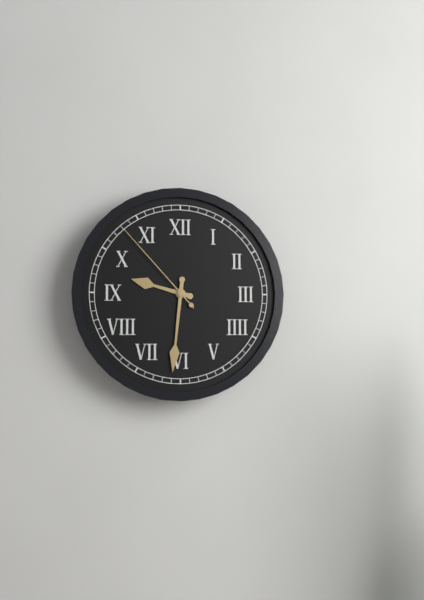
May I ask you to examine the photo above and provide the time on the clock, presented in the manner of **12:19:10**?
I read **9:31:53**
